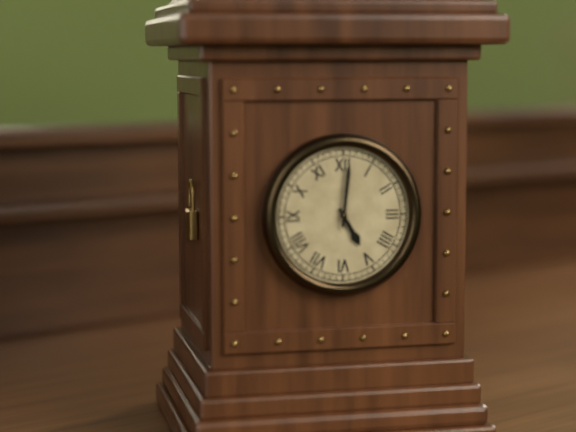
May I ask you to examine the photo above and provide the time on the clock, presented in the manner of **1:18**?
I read **5:01**
